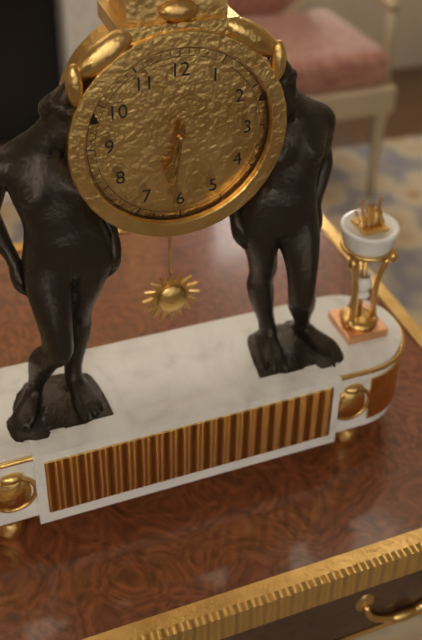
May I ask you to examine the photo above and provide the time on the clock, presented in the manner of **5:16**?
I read **6:31**
